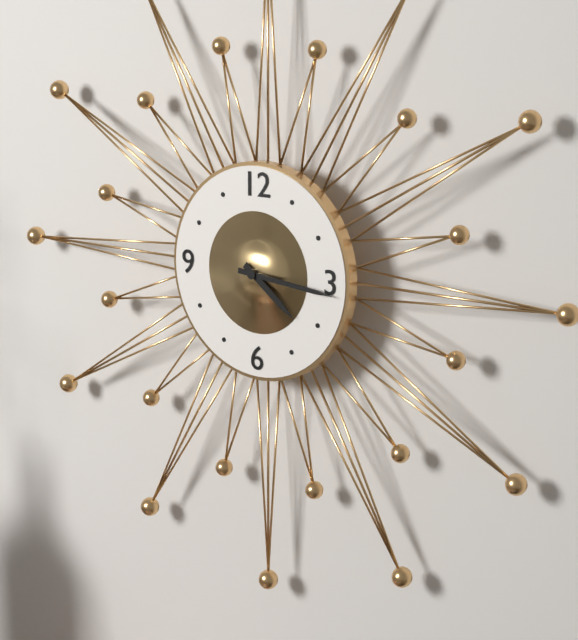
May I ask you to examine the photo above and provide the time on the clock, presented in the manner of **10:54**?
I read **4:16**
